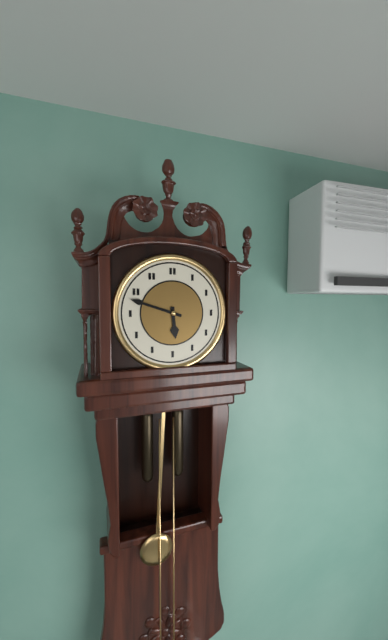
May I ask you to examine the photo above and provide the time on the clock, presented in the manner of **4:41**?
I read **5:48**
